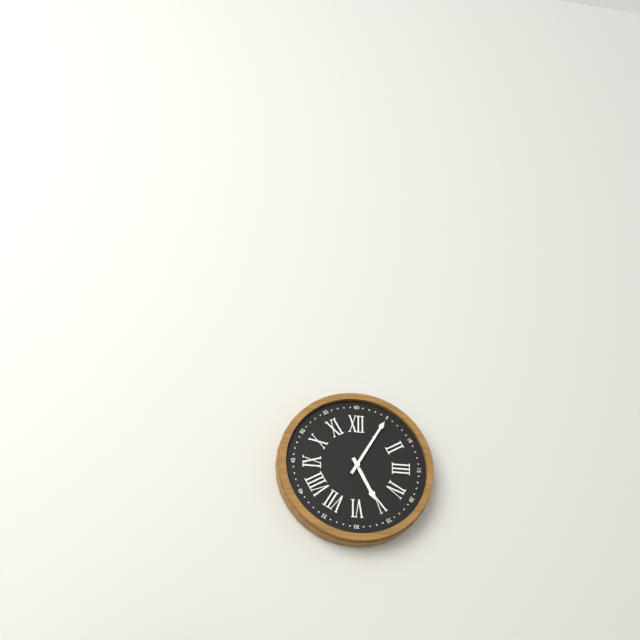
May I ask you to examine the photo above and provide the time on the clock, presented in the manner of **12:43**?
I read **5:05**
